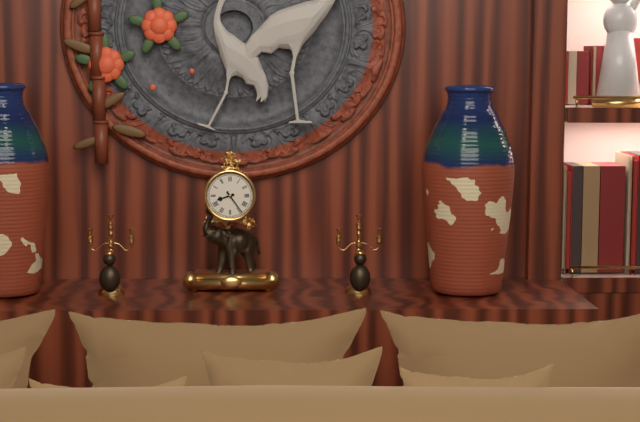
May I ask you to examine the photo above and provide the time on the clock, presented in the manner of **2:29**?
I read **8:24**
